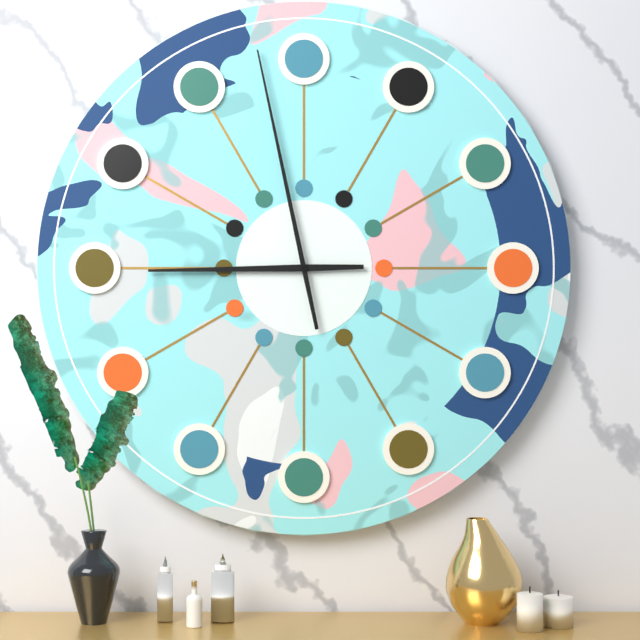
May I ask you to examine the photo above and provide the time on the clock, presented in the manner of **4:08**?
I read **8:58**
